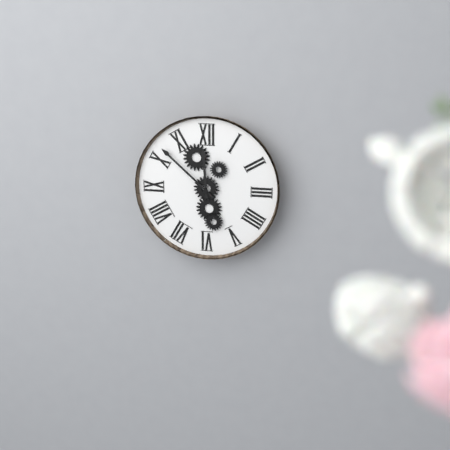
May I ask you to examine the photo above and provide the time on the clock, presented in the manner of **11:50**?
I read **11:52**
